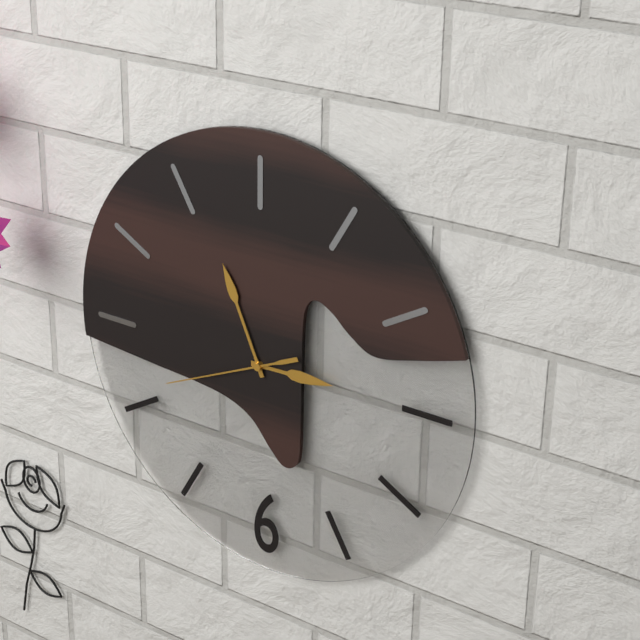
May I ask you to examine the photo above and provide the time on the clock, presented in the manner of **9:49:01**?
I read **2:56:41**
